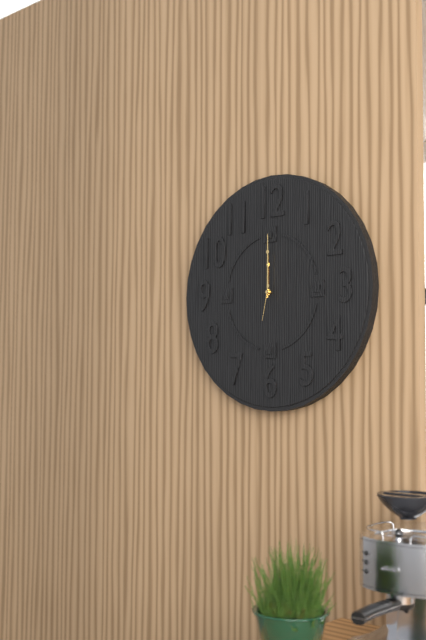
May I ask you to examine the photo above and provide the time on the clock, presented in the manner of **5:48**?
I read **12:00**
